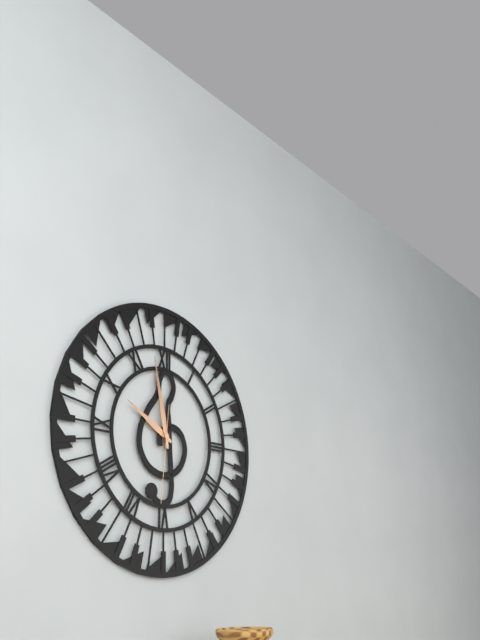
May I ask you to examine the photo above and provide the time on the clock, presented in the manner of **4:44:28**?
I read **9:58:31**
